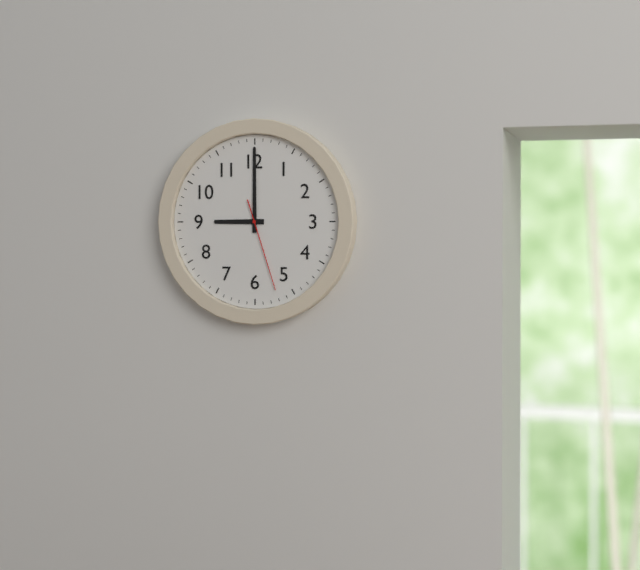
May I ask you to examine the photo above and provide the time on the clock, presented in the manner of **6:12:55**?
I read **9:00:27**
